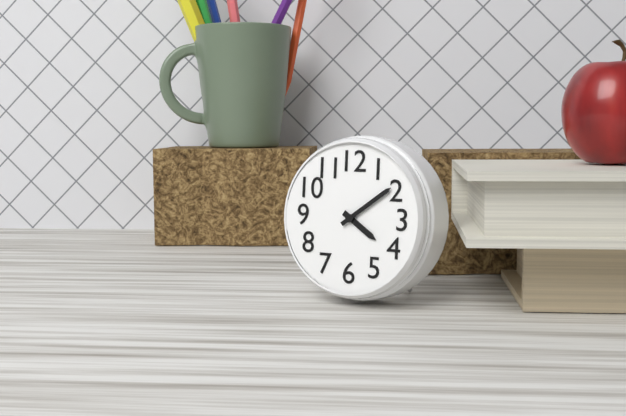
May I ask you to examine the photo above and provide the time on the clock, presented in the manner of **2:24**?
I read **4:09**
